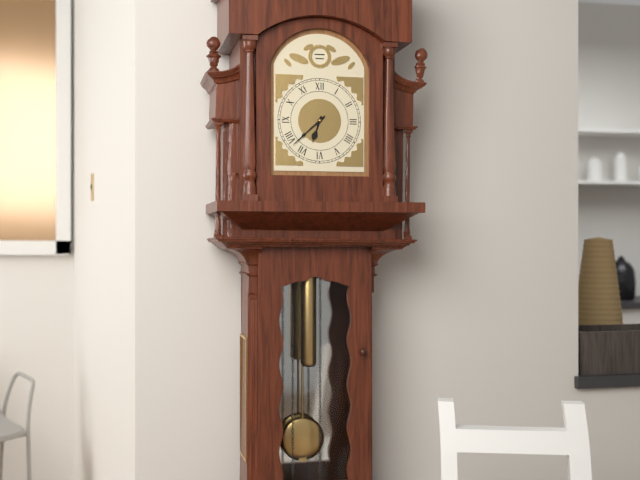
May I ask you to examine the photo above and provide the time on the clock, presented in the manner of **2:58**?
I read **6:38**
